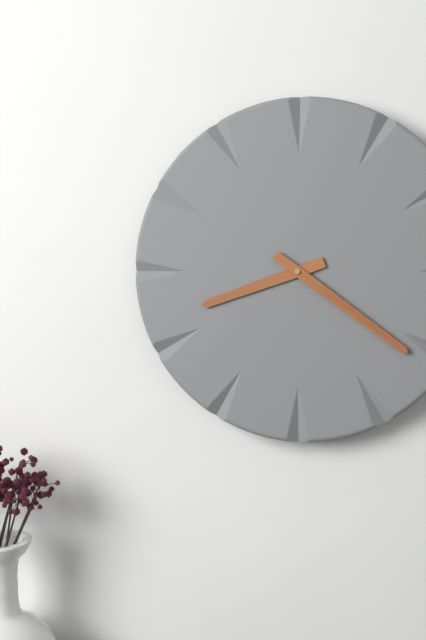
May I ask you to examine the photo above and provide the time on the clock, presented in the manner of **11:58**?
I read **8:21**
